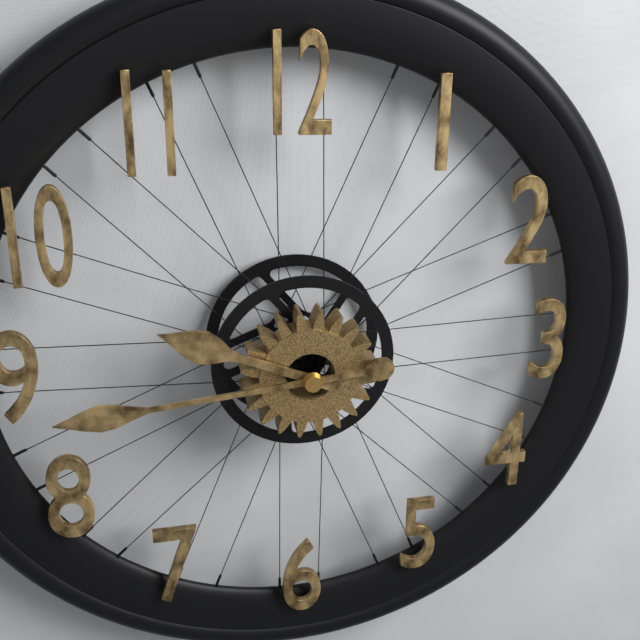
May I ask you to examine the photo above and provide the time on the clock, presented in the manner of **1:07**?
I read **9:44**
